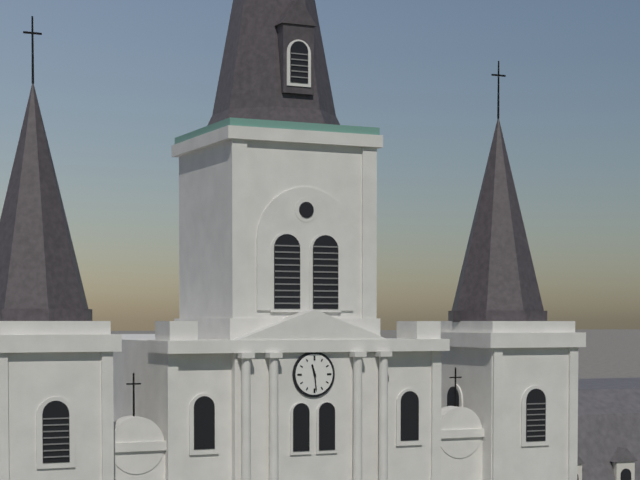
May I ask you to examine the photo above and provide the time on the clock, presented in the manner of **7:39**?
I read **11:29**
